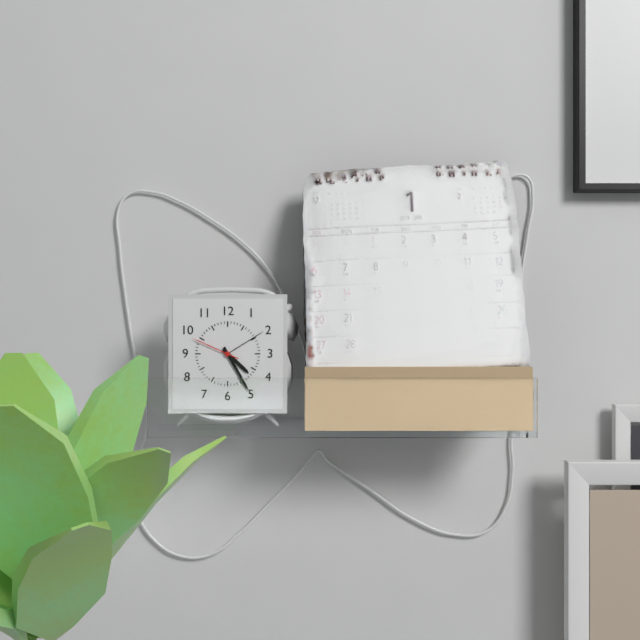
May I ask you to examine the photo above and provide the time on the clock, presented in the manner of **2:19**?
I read **4:25**
